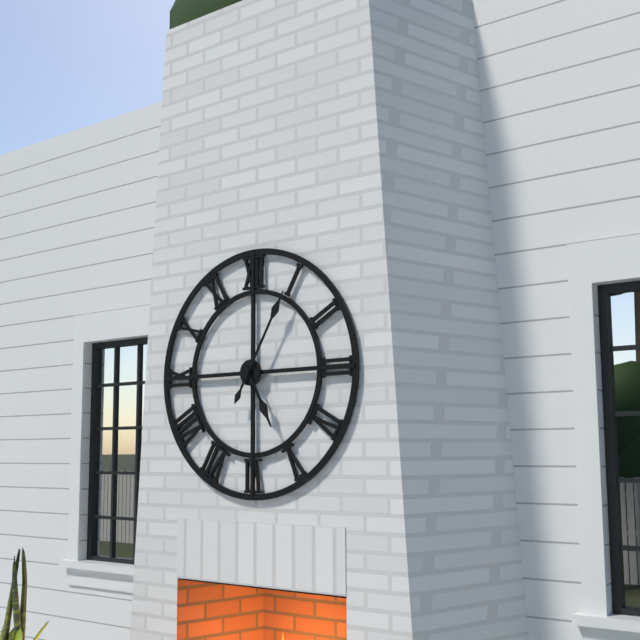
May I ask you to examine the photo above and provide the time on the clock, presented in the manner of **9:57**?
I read **5:05**
